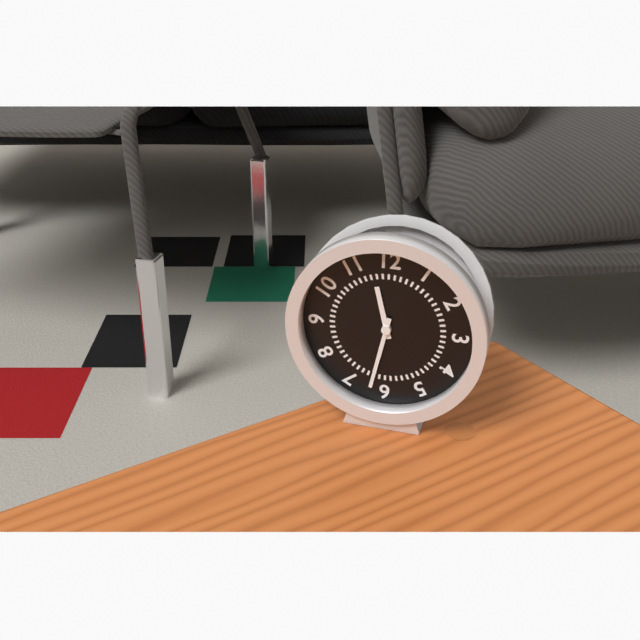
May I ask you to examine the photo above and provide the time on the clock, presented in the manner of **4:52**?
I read **11:32**
